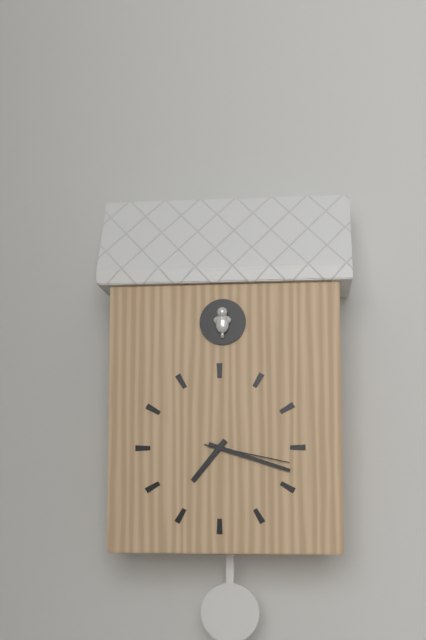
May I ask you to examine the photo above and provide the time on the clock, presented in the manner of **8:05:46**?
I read **7:18:17**
